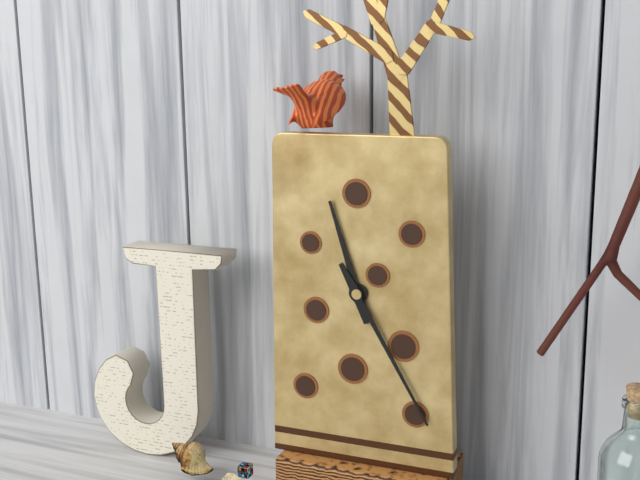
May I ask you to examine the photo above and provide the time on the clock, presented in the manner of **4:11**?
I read **11:25**
